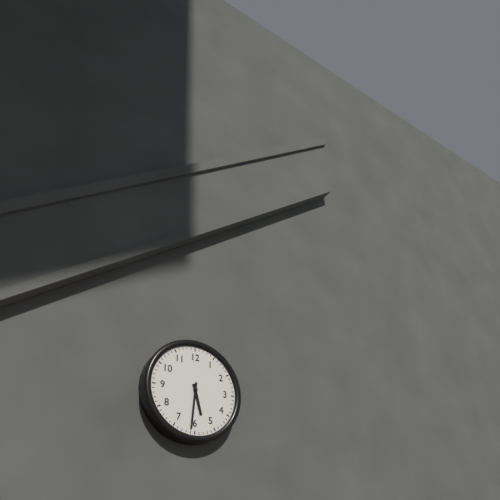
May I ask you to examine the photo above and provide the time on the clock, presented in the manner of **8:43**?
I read **5:31**
